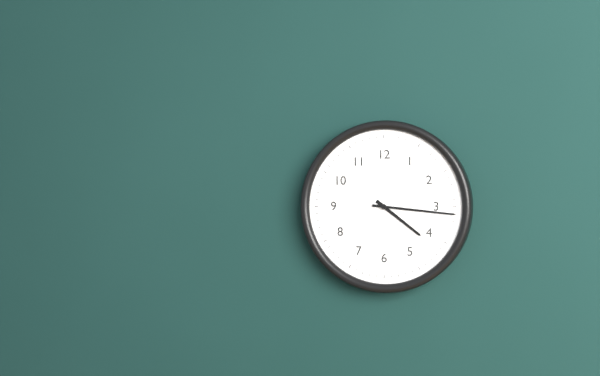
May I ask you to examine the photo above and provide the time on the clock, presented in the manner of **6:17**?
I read **4:16**
